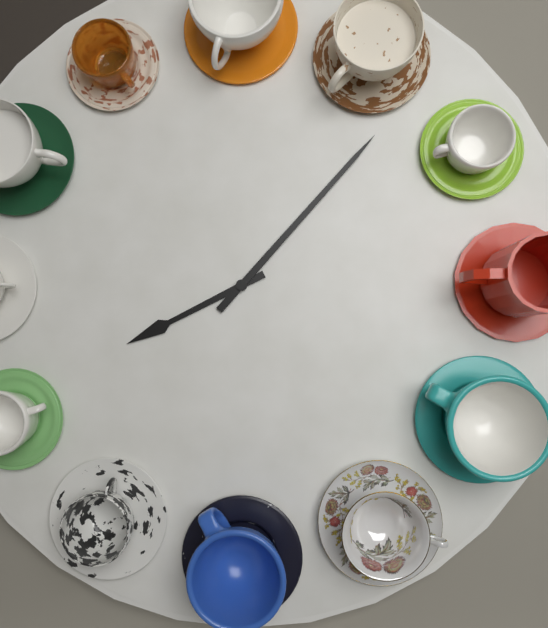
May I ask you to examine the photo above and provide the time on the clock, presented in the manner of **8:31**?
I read **8:07**
